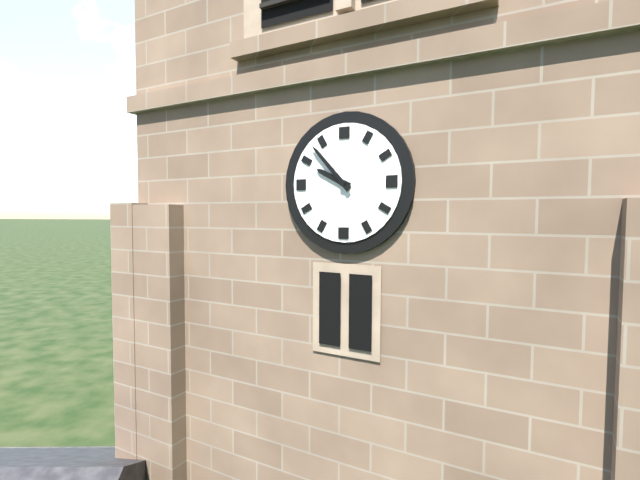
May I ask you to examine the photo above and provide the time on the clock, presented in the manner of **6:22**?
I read **9:53**
